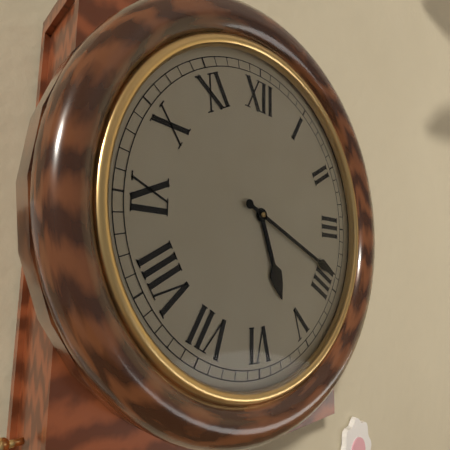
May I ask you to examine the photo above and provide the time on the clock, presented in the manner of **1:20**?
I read **5:19**
